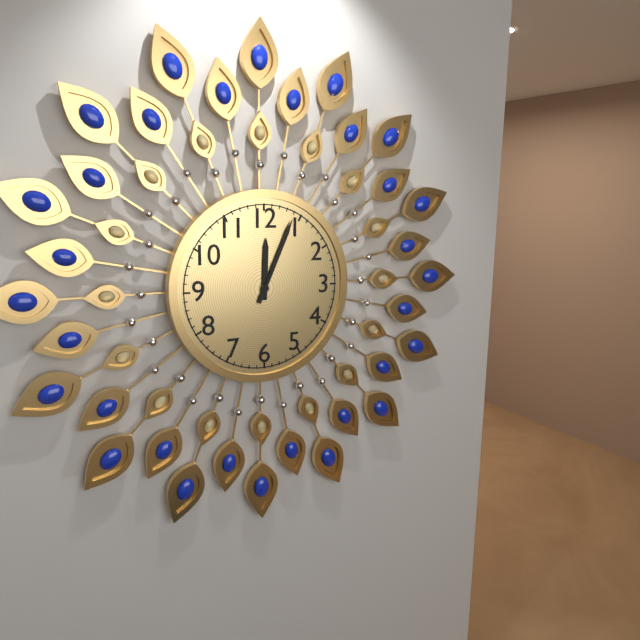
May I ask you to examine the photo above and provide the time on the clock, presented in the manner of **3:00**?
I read **12:04**
